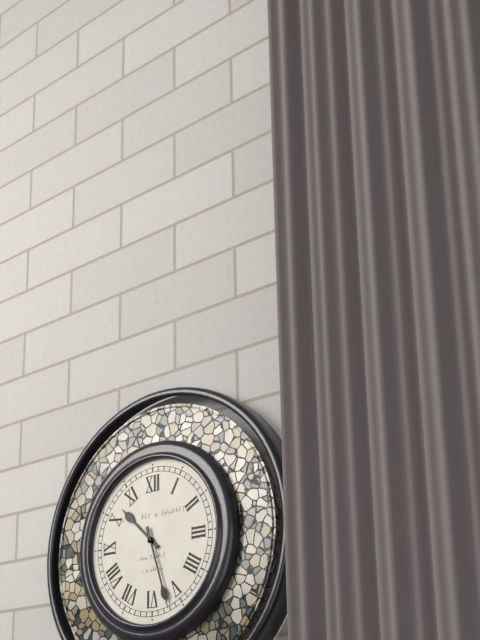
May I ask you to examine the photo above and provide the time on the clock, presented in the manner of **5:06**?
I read **10:27**
